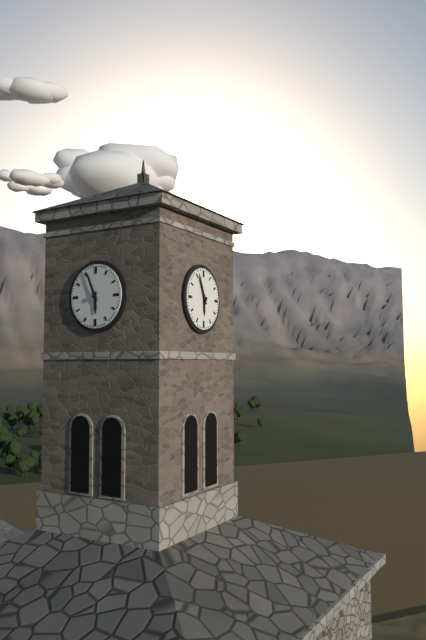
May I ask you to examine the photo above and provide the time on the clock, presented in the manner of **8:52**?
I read **5:56**
